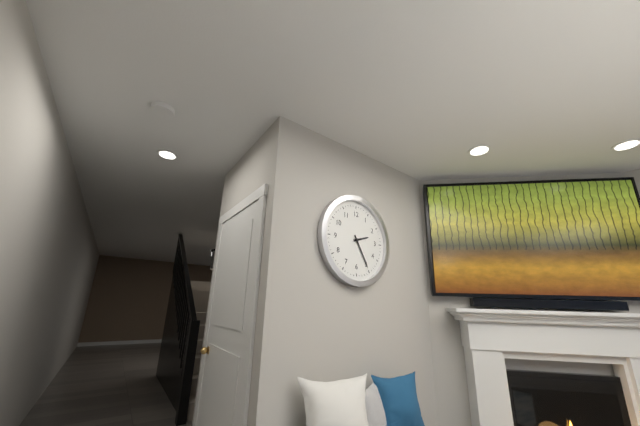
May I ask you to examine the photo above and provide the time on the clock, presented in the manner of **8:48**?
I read **2:25**
